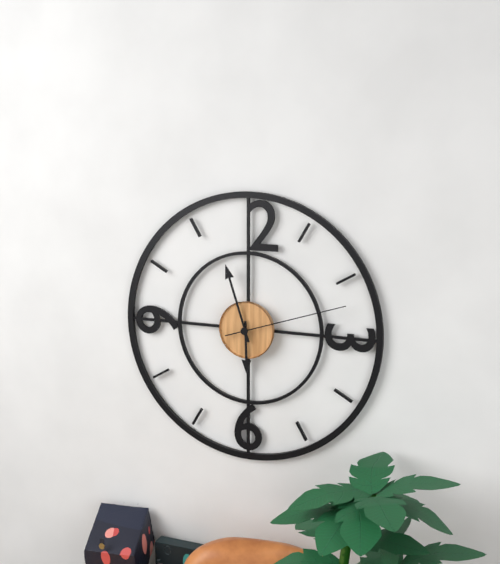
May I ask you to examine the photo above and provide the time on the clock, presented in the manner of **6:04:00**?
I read **5:57:12**
